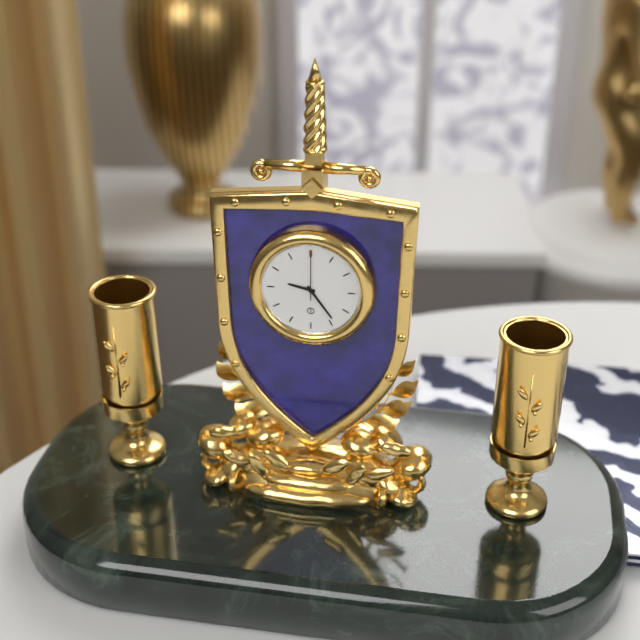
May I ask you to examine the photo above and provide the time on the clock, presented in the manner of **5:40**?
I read **9:24**
